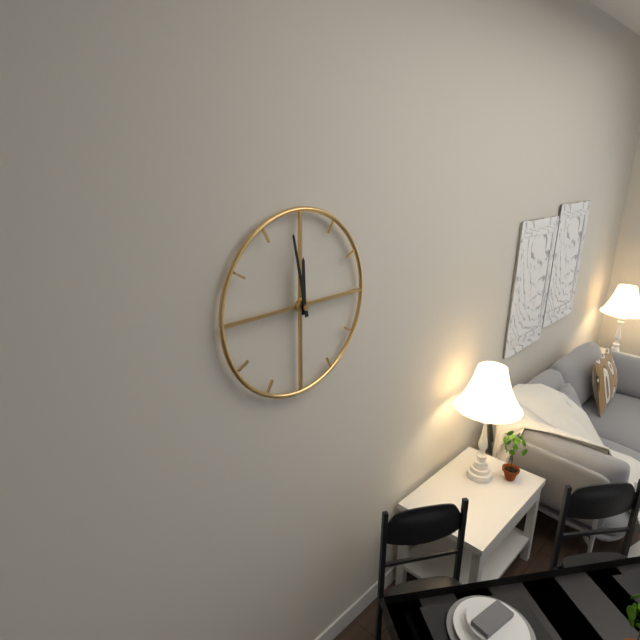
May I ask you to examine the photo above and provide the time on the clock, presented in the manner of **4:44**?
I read **11:58**
